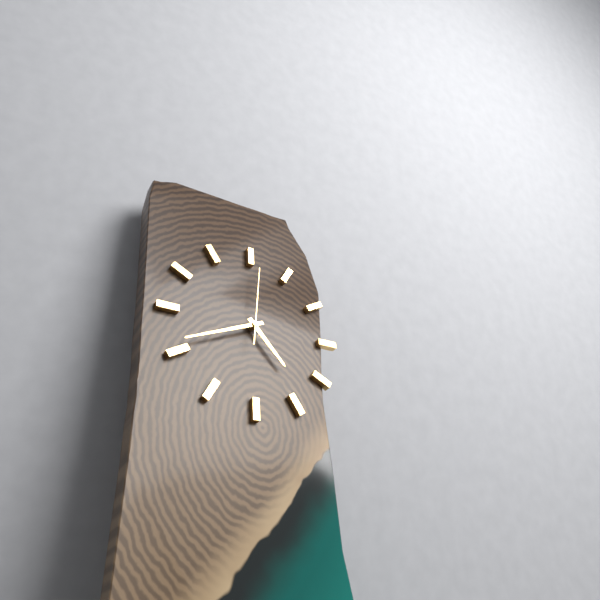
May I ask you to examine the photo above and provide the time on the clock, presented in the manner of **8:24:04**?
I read **4:41:01**
